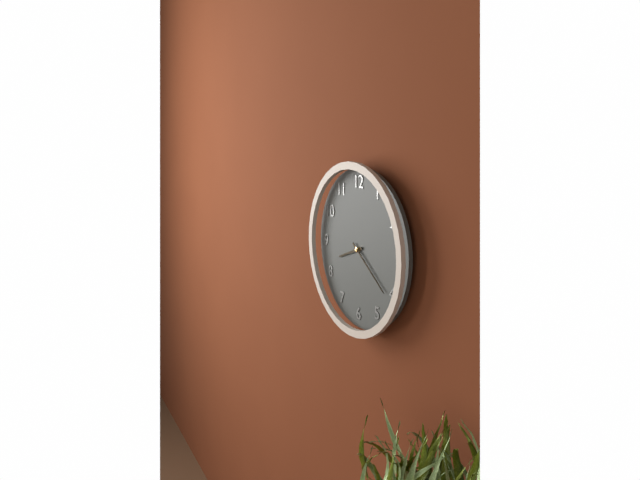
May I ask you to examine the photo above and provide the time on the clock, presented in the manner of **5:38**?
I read **8:21**
